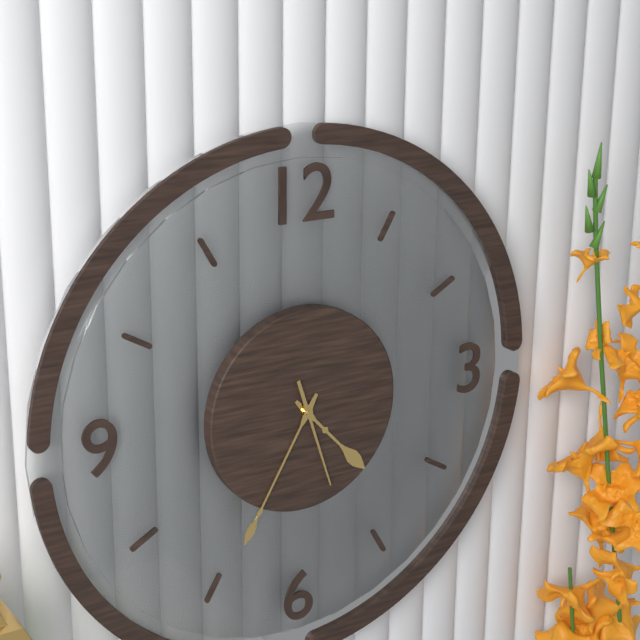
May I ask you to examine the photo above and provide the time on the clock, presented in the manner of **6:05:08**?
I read **4:35:27**
